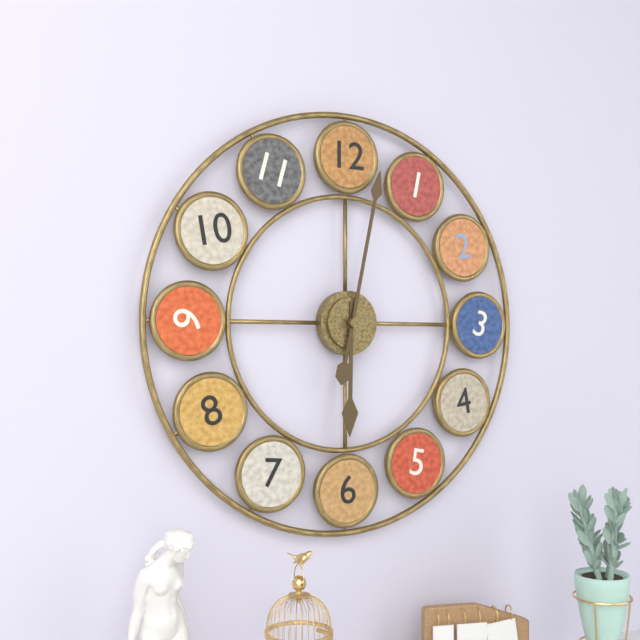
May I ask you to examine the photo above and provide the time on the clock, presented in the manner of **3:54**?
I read **6:02**
